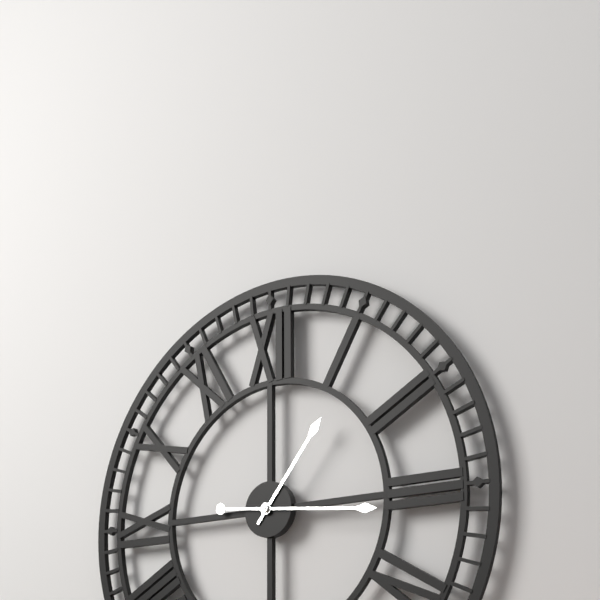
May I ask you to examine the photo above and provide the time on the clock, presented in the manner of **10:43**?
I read **1:16**
